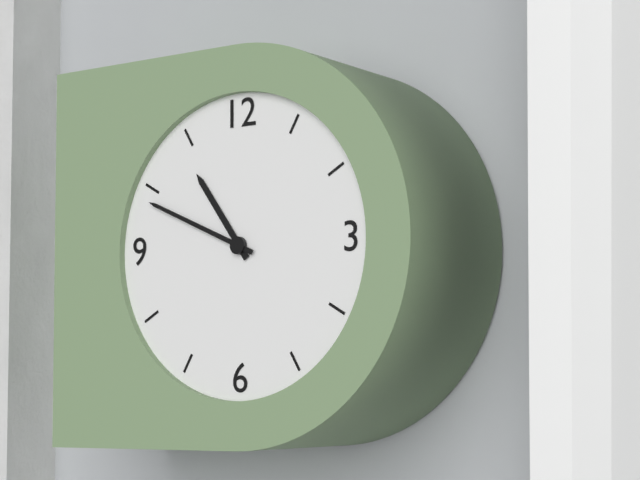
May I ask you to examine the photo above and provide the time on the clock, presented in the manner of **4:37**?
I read **10:49**
